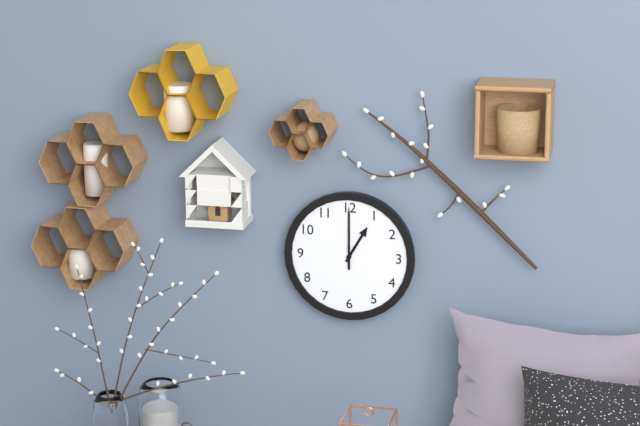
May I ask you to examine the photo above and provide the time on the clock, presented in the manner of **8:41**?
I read **1:00**
